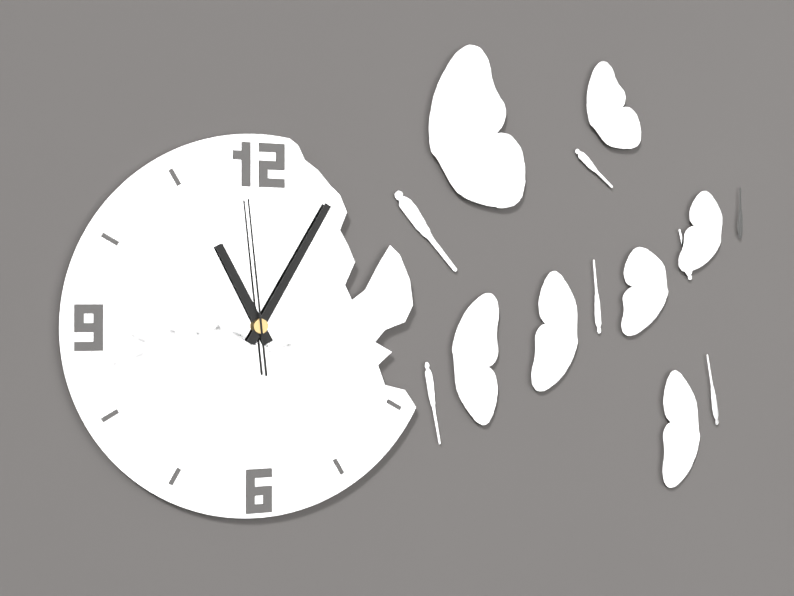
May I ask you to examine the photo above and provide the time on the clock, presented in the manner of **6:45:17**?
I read **11:05:59**
